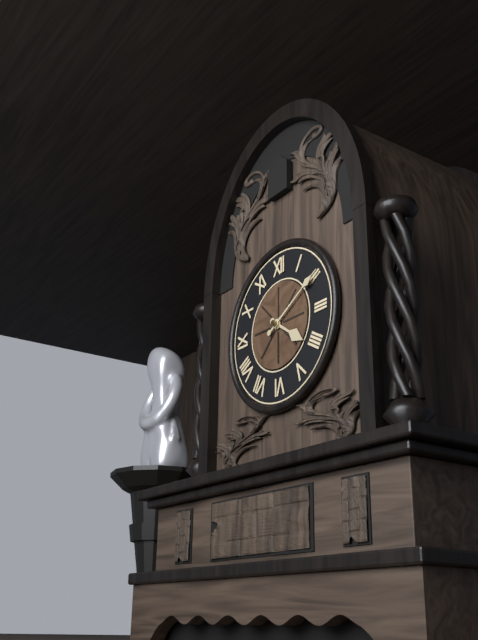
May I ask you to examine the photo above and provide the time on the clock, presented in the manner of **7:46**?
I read **4:10**
